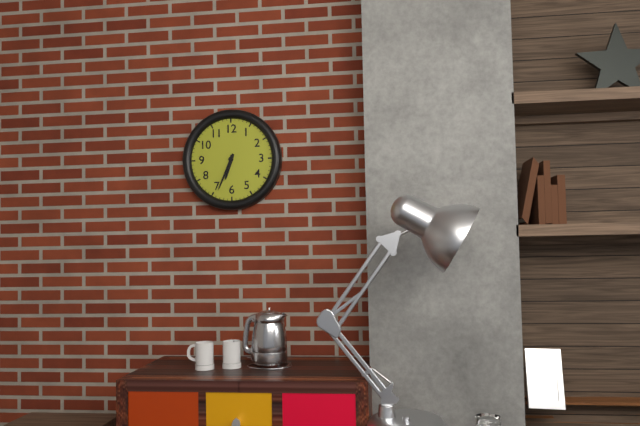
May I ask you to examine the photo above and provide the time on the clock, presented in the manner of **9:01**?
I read **6:34**
